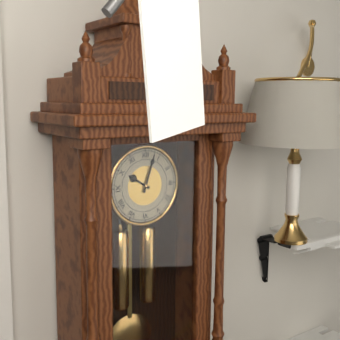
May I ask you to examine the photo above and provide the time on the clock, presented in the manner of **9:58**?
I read **10:03**
